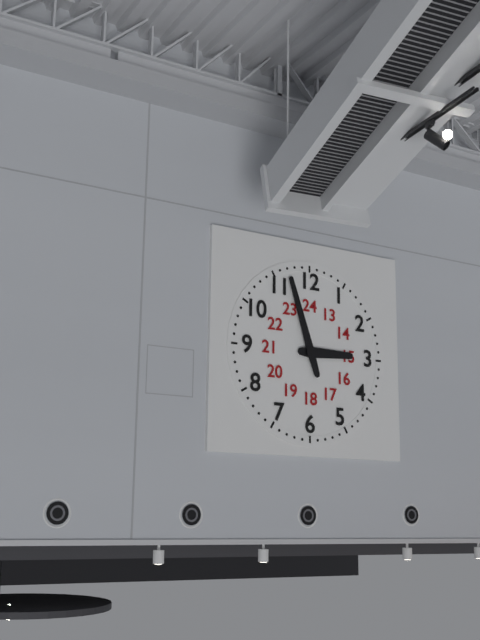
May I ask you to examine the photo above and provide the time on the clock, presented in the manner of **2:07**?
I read **2:57**
